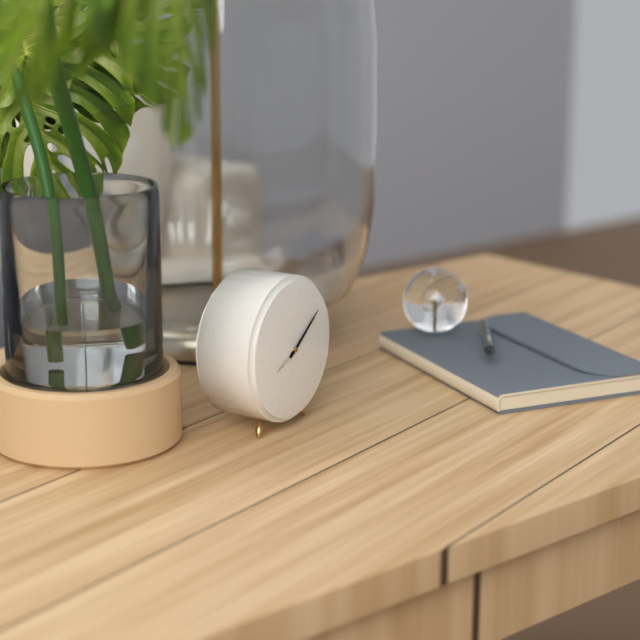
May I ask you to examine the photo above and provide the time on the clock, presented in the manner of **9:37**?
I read **8:09**
